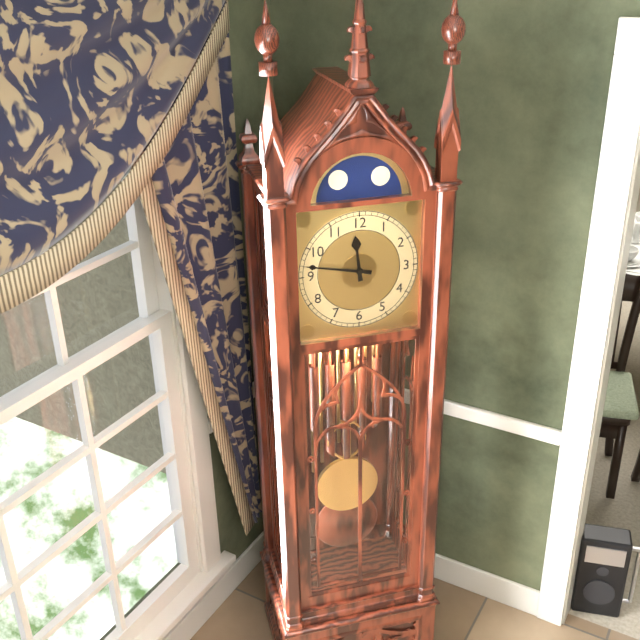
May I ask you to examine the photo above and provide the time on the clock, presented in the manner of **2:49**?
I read **11:47**
